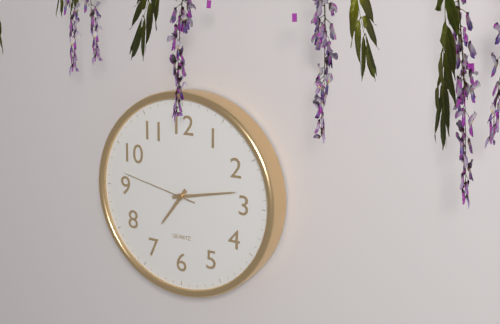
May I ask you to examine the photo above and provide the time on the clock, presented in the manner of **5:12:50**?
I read **7:13:47**
